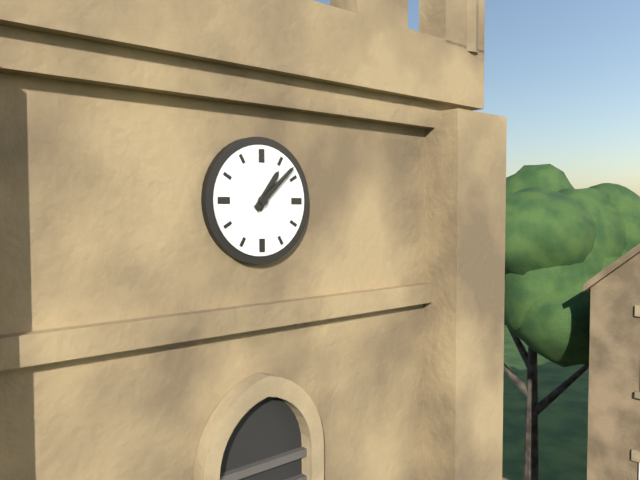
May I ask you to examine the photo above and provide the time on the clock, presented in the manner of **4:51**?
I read **1:08**
